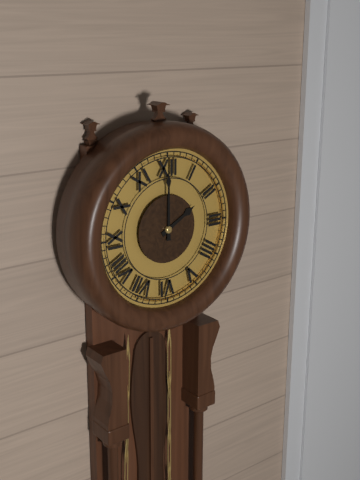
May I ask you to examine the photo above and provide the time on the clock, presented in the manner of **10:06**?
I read **2:00**
